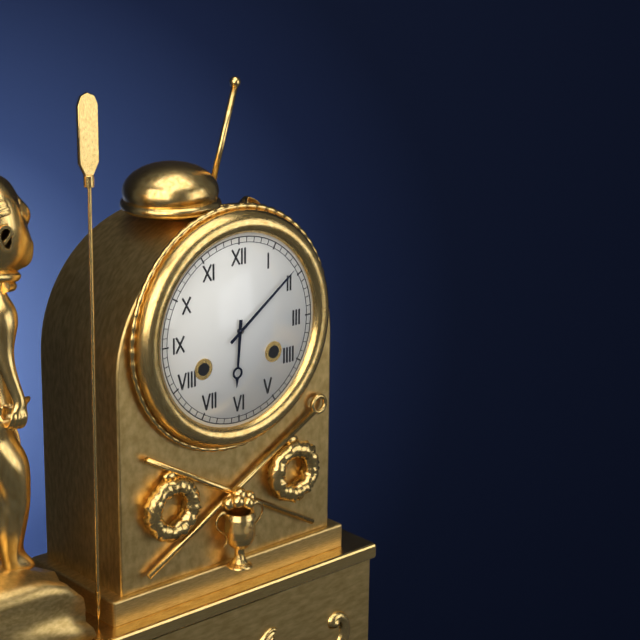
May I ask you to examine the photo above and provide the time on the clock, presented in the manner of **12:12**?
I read **6:09**
